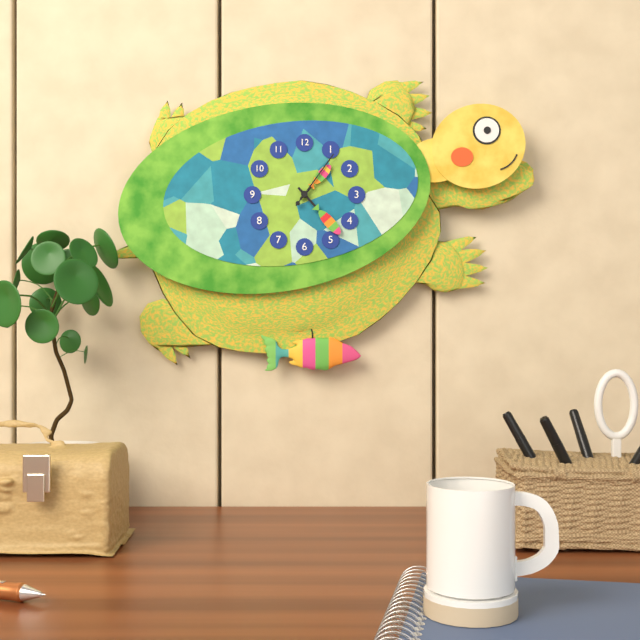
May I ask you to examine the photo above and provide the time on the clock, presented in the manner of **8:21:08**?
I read **1:23:06**
